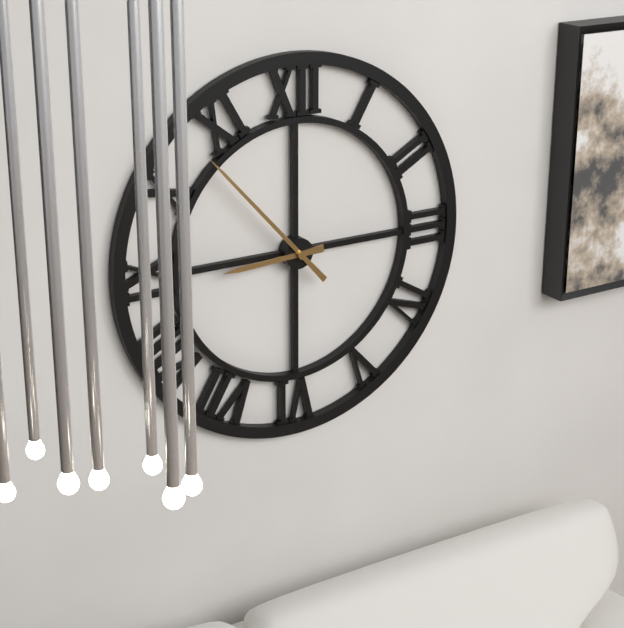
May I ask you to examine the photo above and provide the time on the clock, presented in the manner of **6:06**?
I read **8:53**
